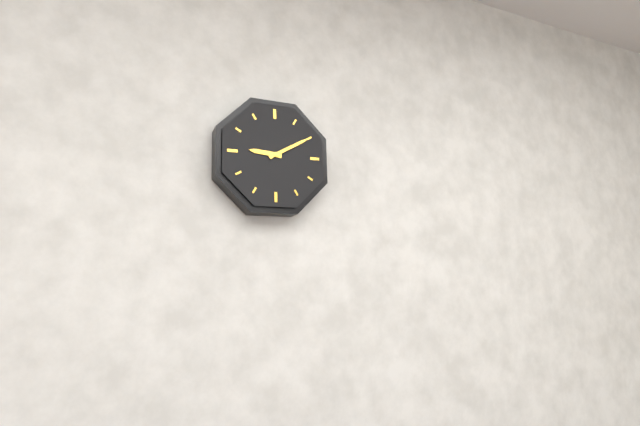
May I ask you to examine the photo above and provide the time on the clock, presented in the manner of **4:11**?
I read **9:10**
